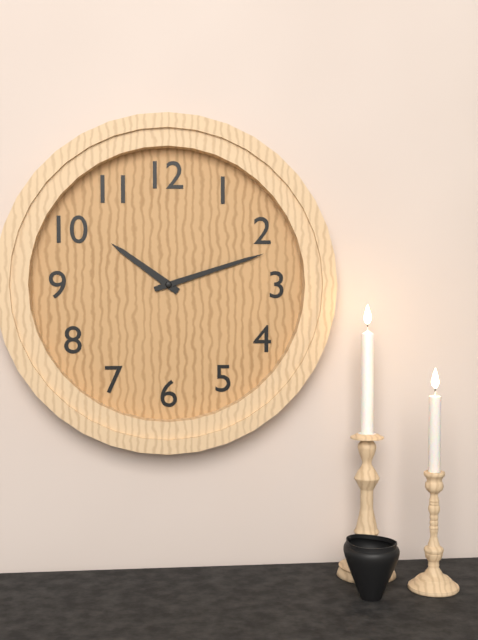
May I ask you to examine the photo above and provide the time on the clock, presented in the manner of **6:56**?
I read **10:12**
